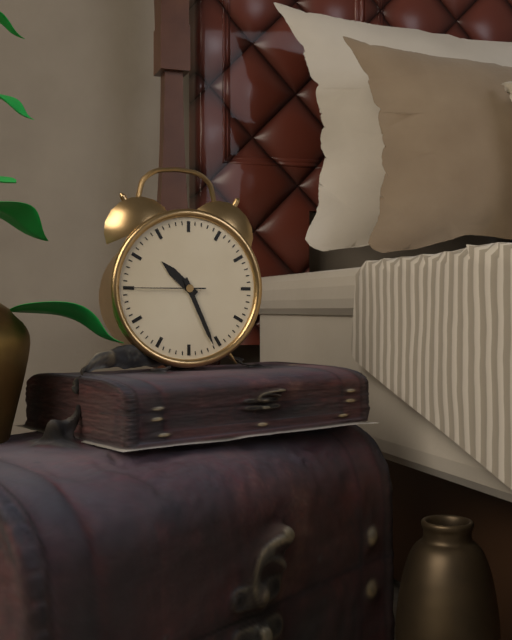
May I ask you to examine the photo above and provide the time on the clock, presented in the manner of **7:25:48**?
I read **10:26:45**
